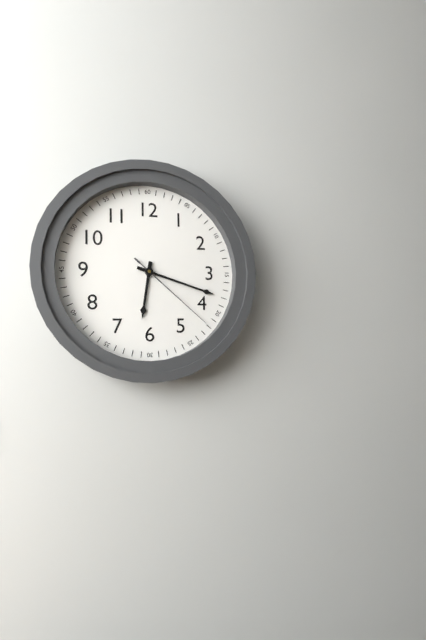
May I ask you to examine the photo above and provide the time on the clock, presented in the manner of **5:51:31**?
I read **6:18:22**
